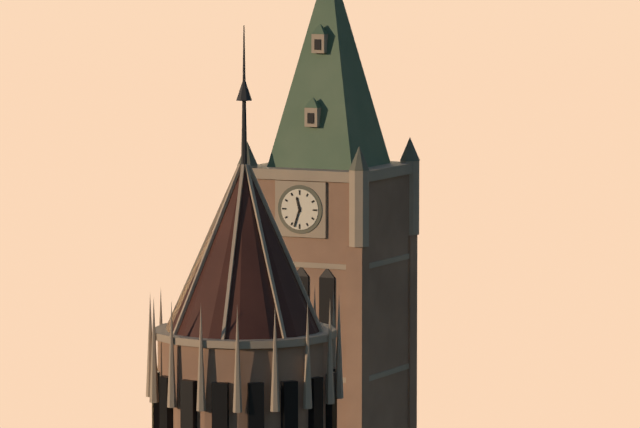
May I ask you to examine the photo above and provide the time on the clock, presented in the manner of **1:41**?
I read **11:33**
